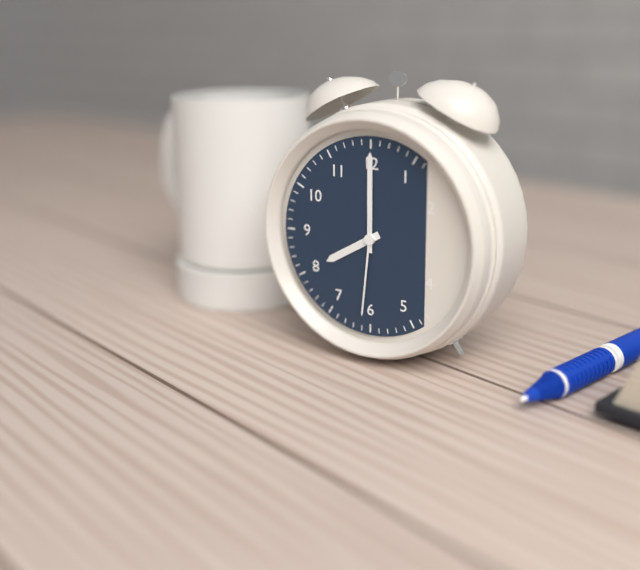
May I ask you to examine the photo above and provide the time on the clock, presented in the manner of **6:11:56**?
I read **8:00:31**
